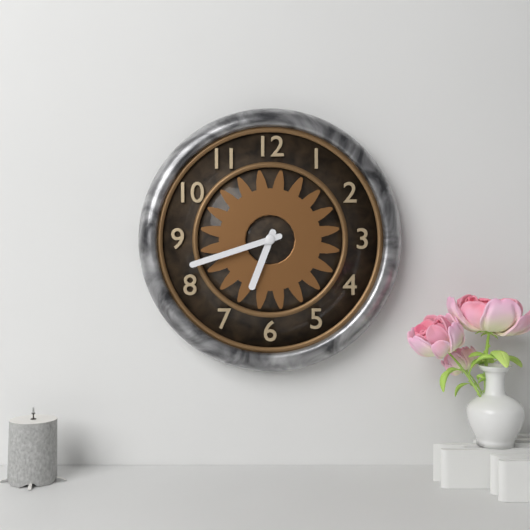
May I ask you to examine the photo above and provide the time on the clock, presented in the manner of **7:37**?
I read **6:42**
